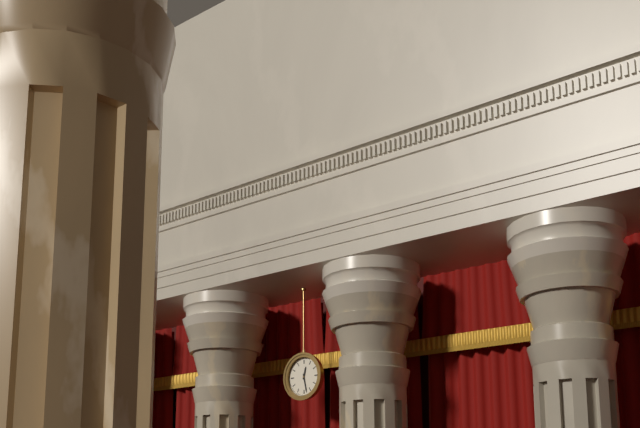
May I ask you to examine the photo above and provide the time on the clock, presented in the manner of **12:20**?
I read **12:28**
